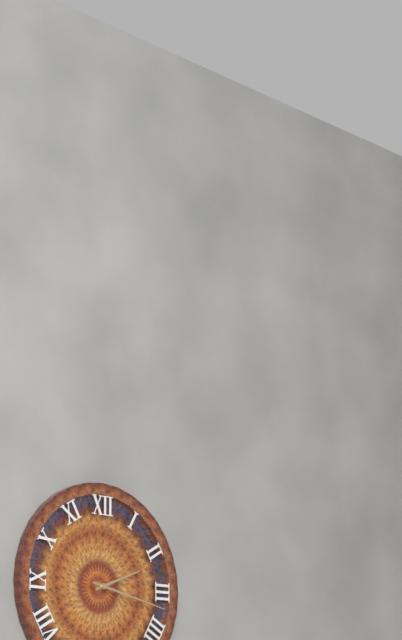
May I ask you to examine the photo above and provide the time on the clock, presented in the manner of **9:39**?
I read **2:17**
